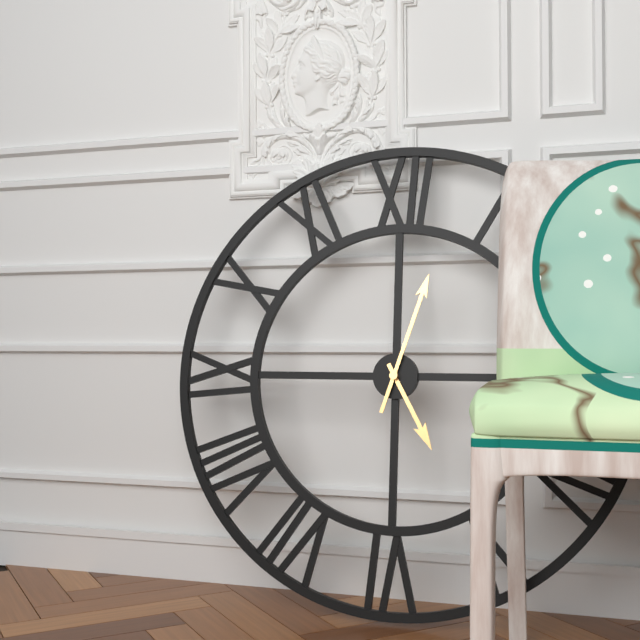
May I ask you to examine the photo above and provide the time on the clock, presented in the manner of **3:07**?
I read **5:03**
